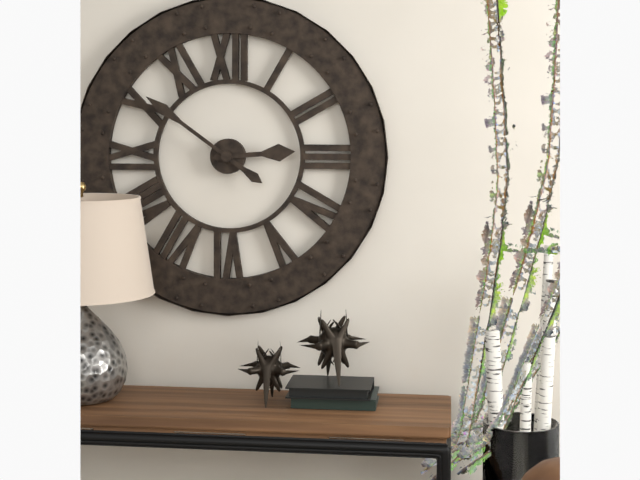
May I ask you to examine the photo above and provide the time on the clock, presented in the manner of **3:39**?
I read **2:51**
